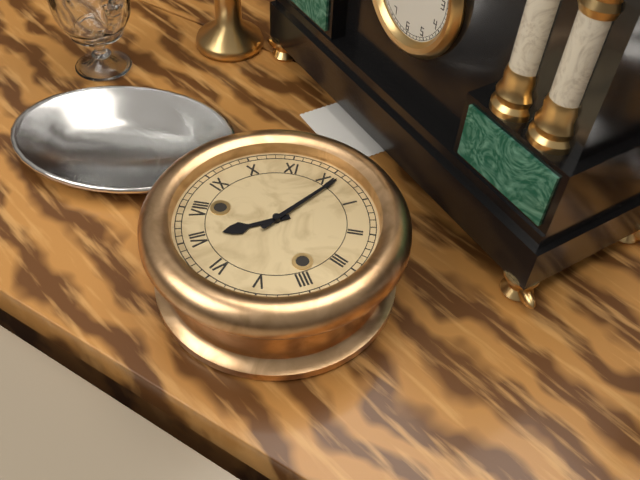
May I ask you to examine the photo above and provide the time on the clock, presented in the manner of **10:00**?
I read **7:01**
